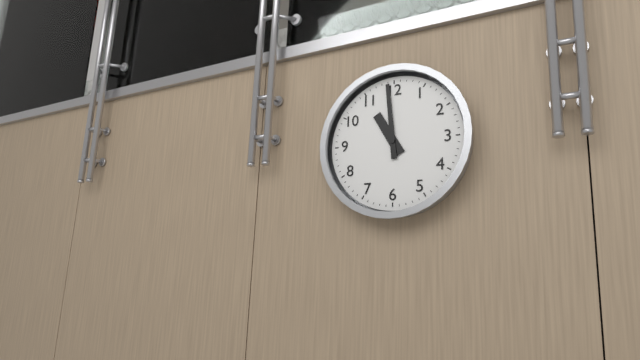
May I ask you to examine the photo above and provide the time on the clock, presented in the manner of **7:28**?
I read **10:59**
